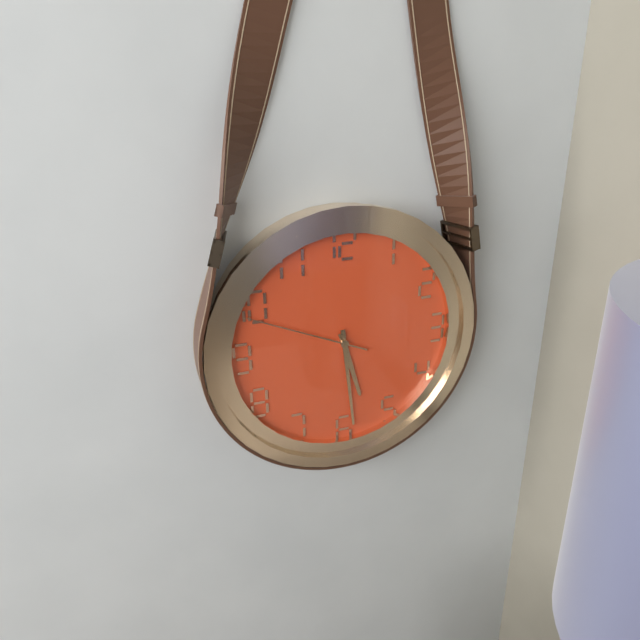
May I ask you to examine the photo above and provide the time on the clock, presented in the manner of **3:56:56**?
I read **5:29:49**
